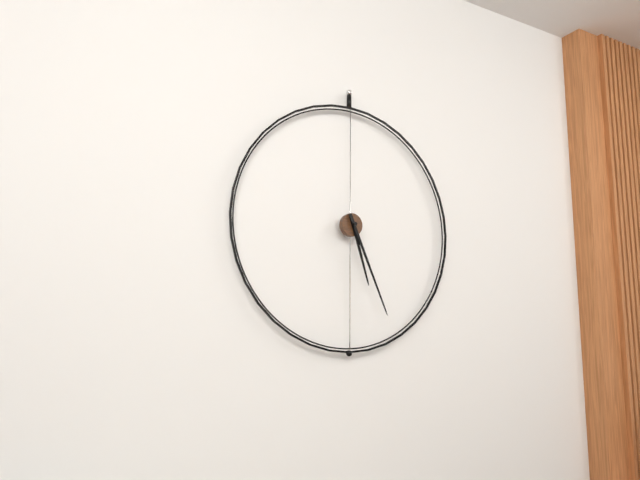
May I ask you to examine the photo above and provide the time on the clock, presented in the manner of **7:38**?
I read **5:26**
